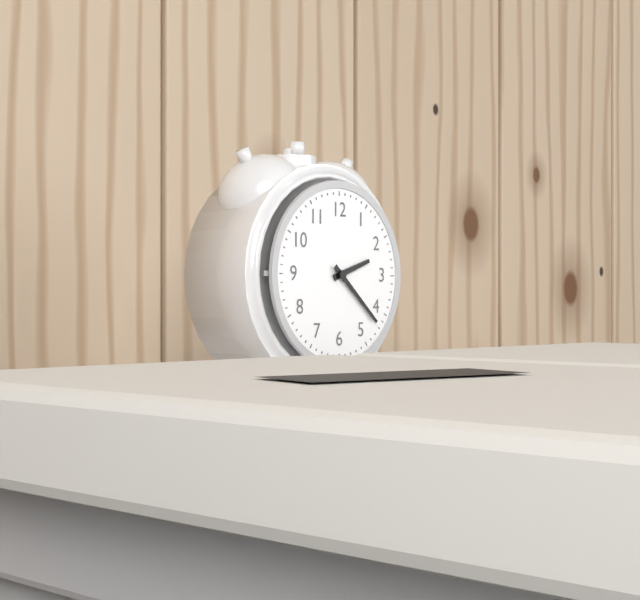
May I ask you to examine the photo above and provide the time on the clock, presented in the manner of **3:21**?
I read **2:22**
